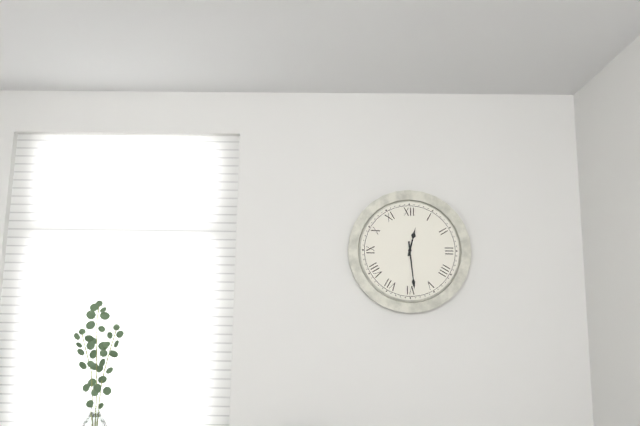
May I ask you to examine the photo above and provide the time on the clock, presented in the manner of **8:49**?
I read **12:29**
